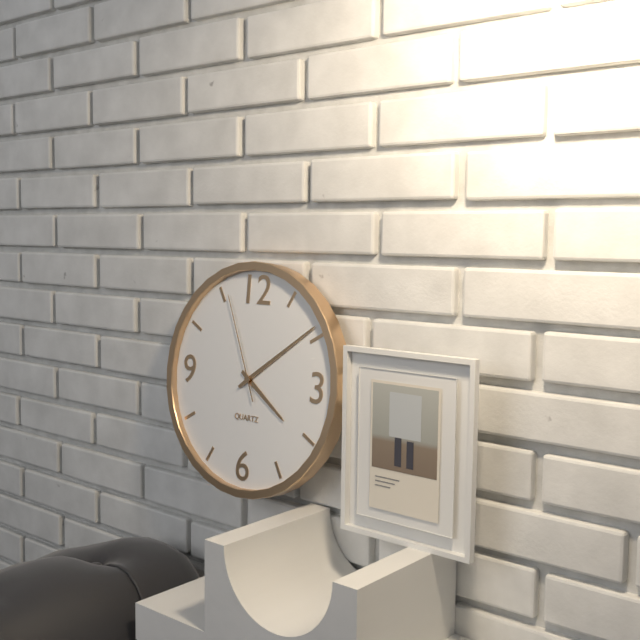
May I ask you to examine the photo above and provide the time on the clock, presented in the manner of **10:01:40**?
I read **4:09:56**
